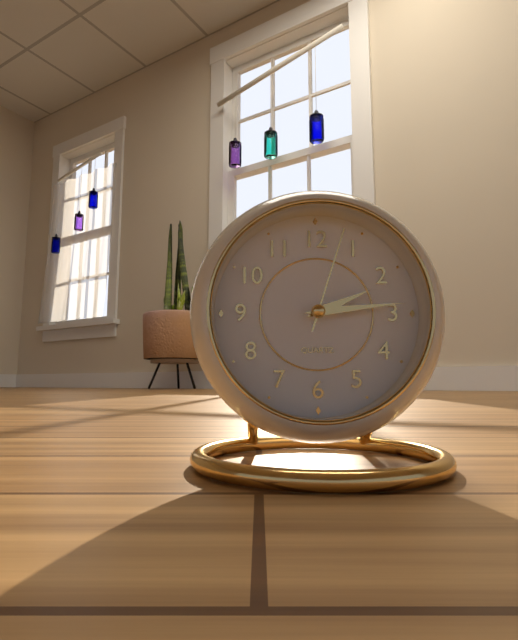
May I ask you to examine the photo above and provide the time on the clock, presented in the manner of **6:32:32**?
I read **2:14:03**
